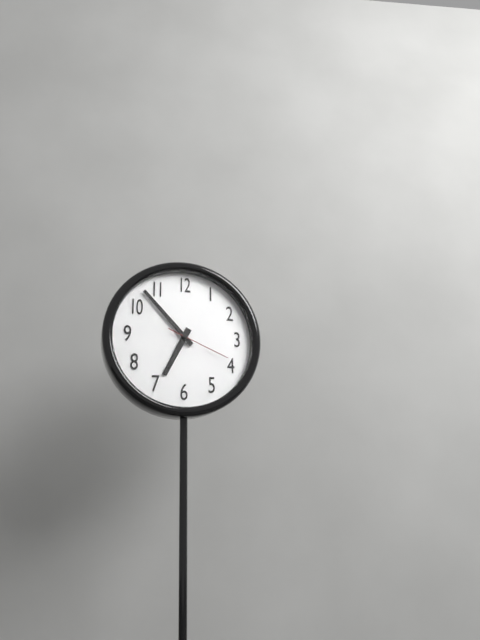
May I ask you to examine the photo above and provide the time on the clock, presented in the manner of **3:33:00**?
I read **6:53:19**
